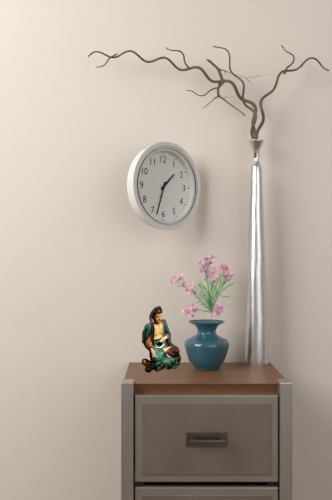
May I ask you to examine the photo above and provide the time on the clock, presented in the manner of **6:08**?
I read **1:33**
